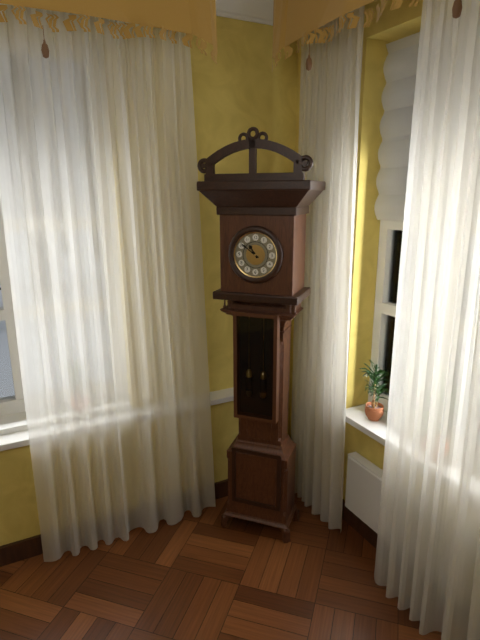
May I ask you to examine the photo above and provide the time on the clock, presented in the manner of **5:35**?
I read **10:51**
